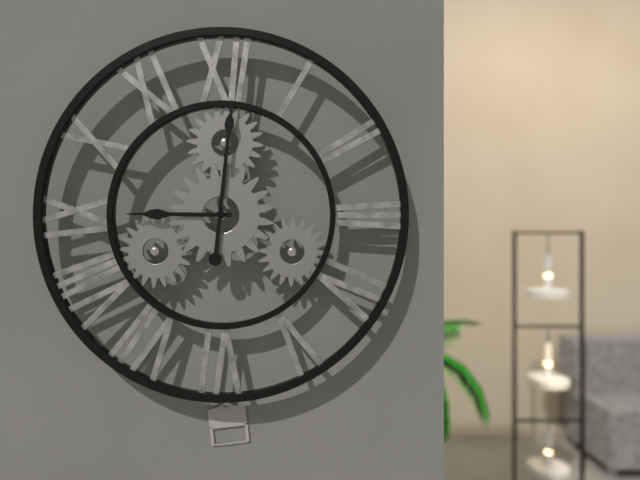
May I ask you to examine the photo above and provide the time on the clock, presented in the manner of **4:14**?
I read **9:01**
